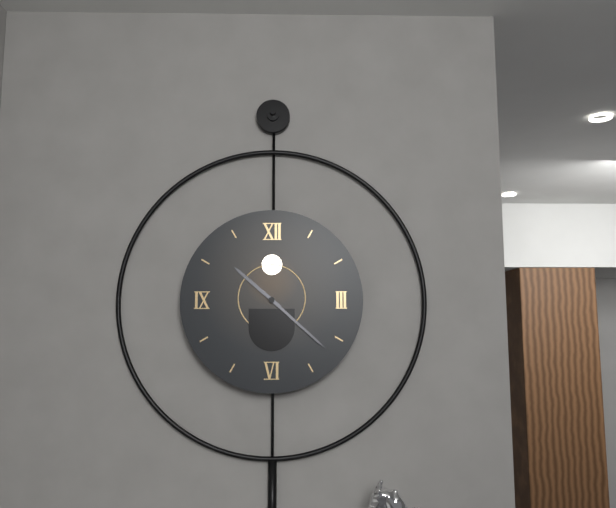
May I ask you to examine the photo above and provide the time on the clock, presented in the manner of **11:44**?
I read **10:22**
